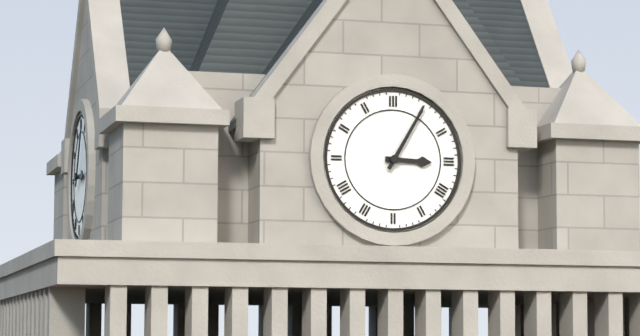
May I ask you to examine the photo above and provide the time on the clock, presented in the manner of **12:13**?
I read **3:05**
